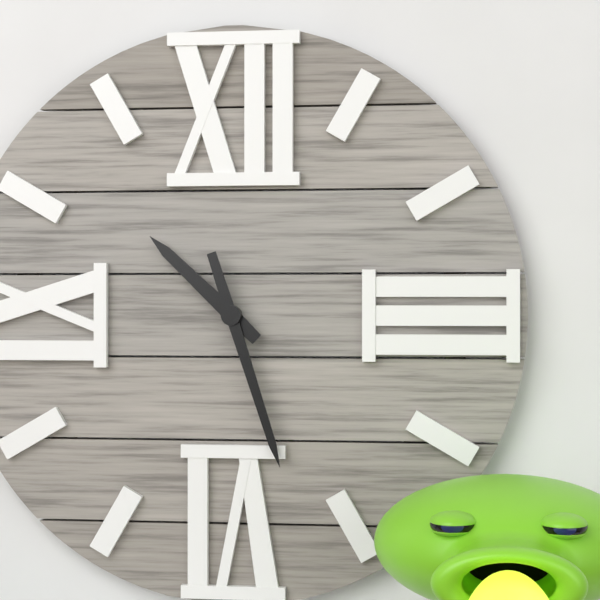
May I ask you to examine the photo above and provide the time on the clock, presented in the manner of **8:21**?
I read **10:27**
